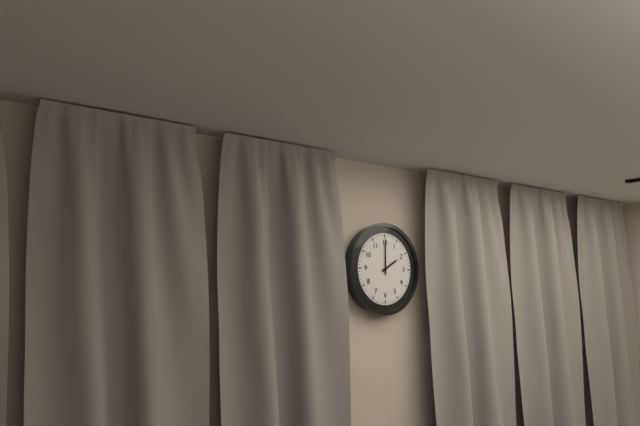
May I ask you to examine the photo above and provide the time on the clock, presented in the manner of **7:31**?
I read **2:00**
